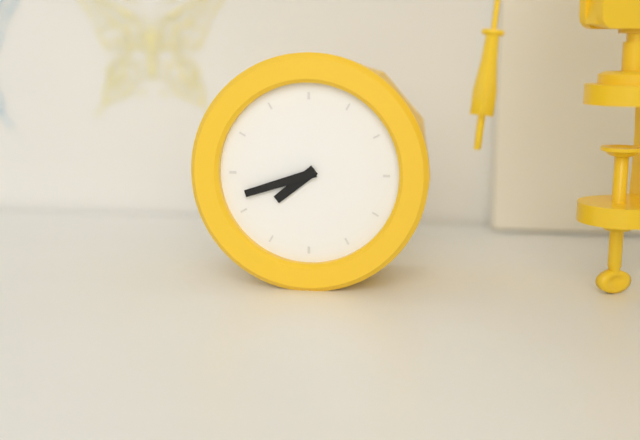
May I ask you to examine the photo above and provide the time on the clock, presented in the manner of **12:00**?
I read **7:42**
